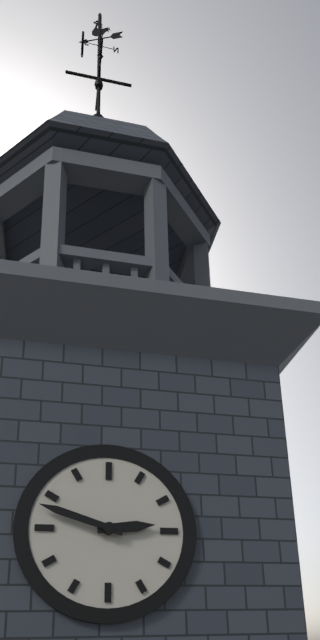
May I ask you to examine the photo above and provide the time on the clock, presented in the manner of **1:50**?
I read **2:48**
